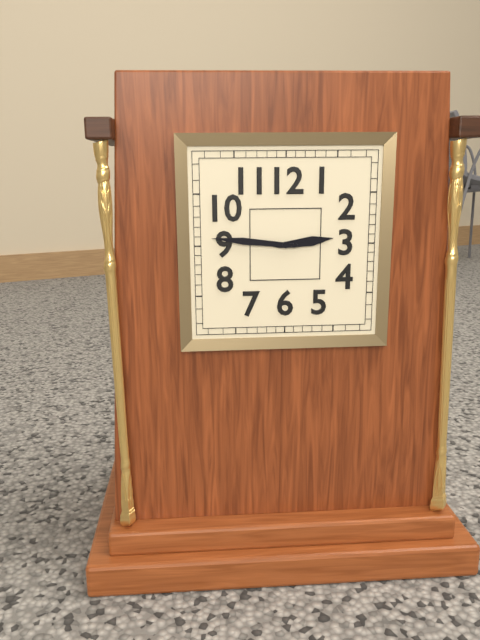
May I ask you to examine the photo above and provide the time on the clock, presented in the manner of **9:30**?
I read **2:46**
